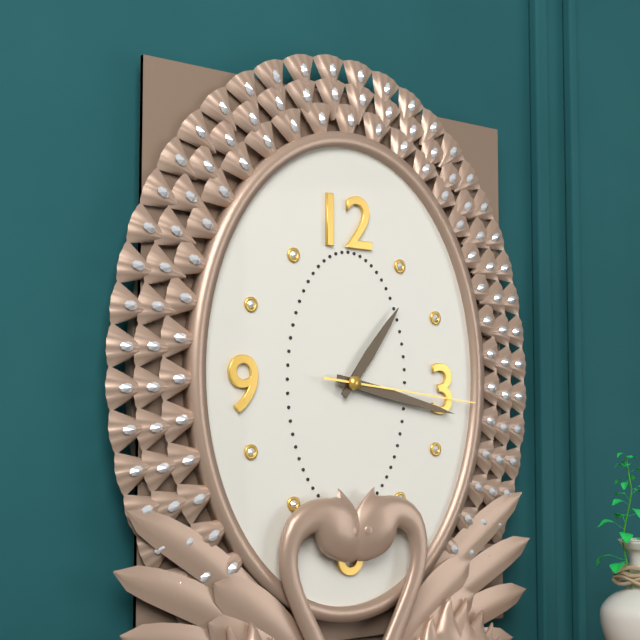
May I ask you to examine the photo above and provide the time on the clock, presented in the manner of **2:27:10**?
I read **1:17:16**
